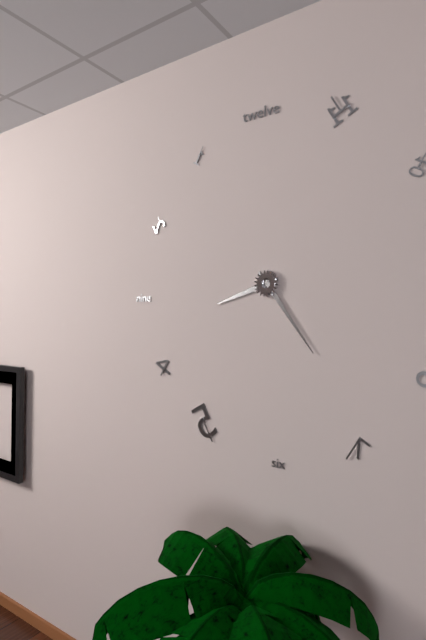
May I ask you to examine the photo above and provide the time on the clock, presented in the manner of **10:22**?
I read **8:24**
